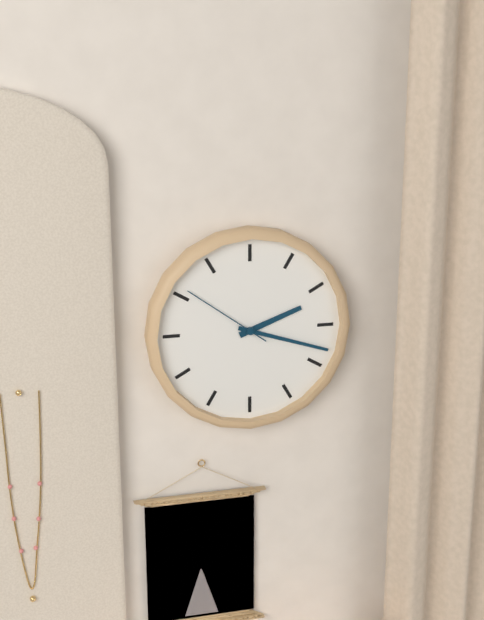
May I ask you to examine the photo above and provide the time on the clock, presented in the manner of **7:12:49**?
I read **2:18:51**
